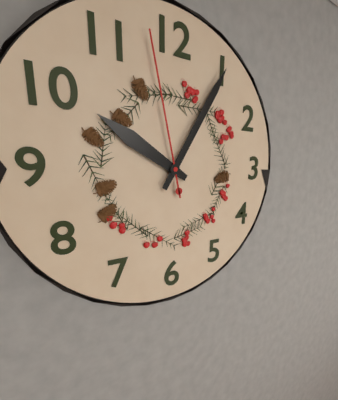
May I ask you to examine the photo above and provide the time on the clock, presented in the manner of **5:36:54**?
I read **10:05:58**
